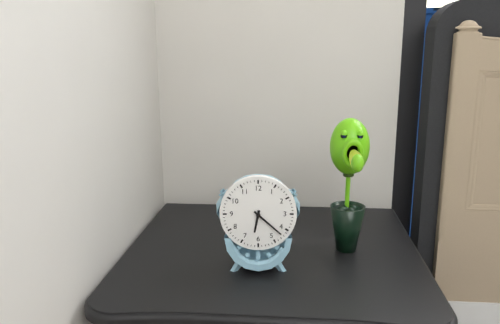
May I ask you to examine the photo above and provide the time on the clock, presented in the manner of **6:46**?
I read **6:22**
